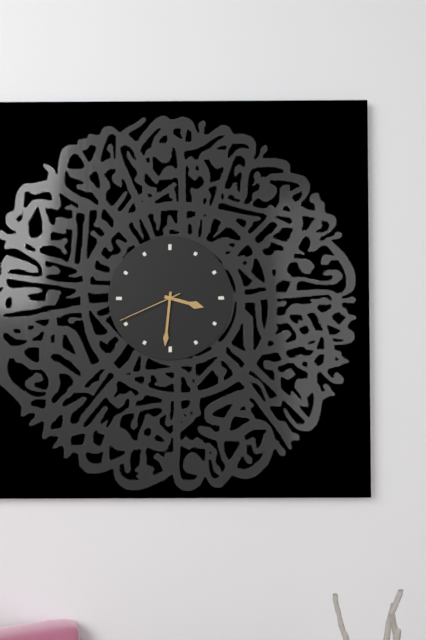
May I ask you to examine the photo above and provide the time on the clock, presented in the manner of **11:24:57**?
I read **3:31:41**
